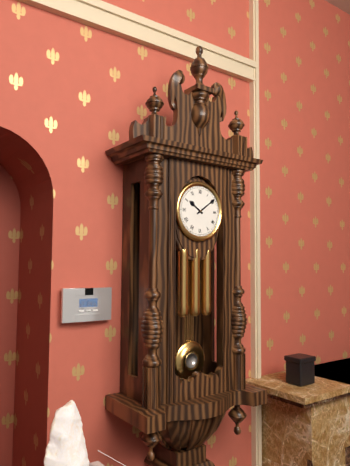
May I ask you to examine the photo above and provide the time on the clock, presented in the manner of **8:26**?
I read **10:09**
